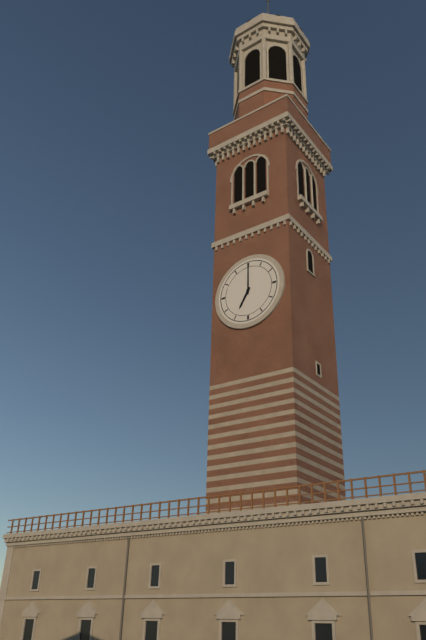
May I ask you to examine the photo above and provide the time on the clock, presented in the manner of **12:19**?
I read **7:00**
